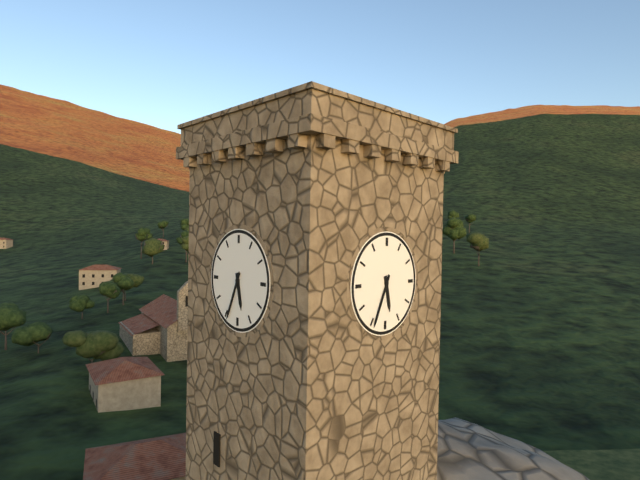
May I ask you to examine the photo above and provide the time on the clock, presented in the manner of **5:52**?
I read **5:34**
